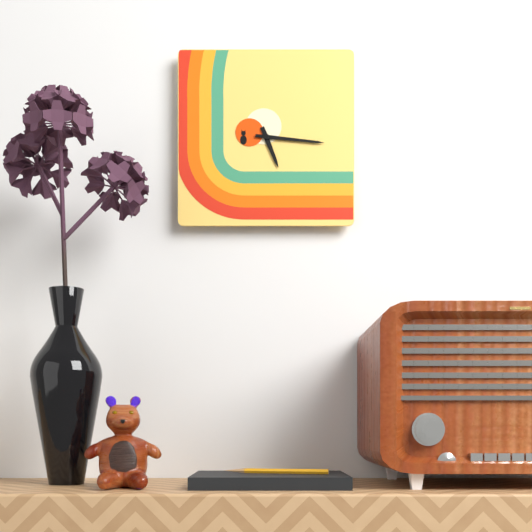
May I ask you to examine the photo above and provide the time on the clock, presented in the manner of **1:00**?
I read **5:16**
